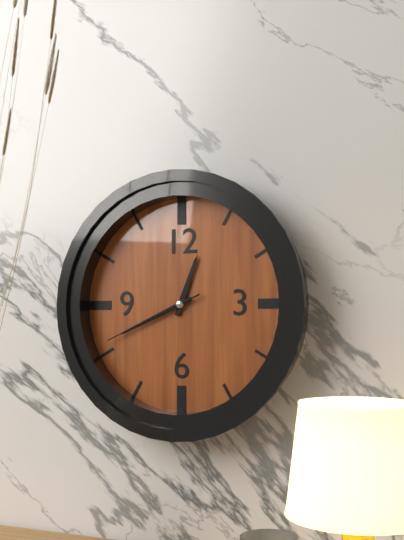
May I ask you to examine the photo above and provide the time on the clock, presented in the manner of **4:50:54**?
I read **12:41:41**
